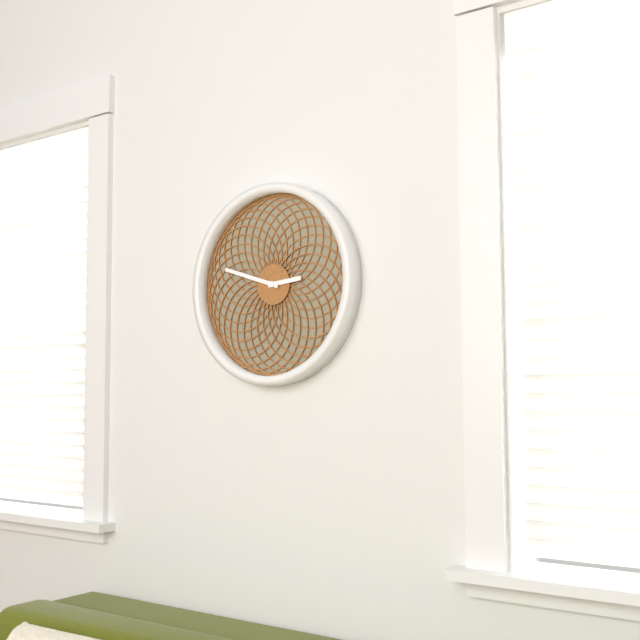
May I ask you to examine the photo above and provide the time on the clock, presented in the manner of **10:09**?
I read **2:48**
